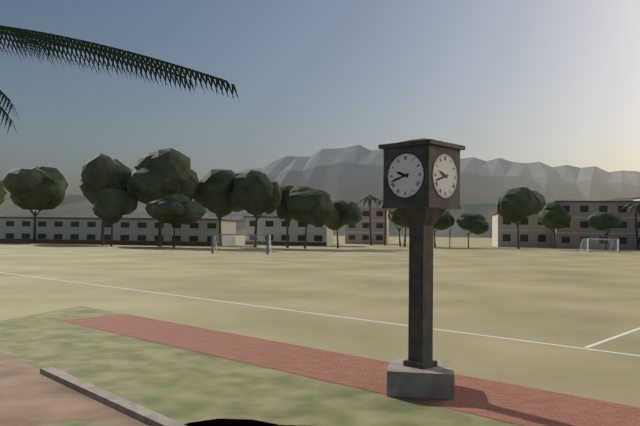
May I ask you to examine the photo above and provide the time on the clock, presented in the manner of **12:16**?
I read **9:42**
